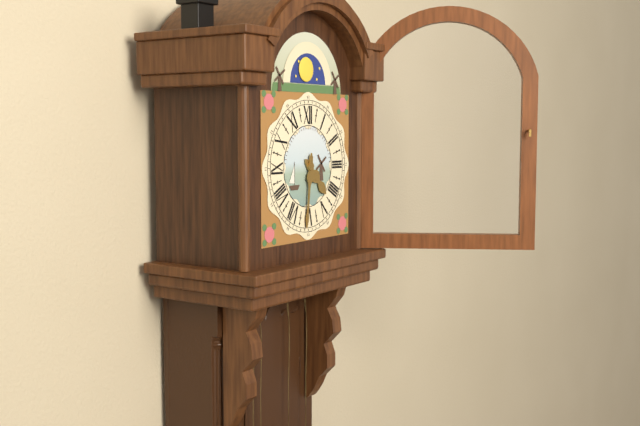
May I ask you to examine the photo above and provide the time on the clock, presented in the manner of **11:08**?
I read **4:31**
